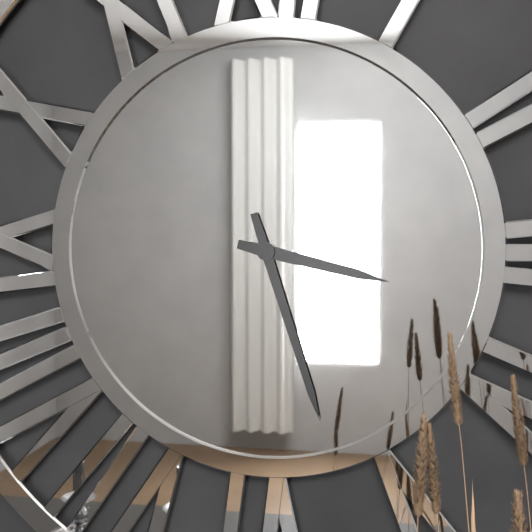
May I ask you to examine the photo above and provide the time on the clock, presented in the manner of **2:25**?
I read **3:27**
